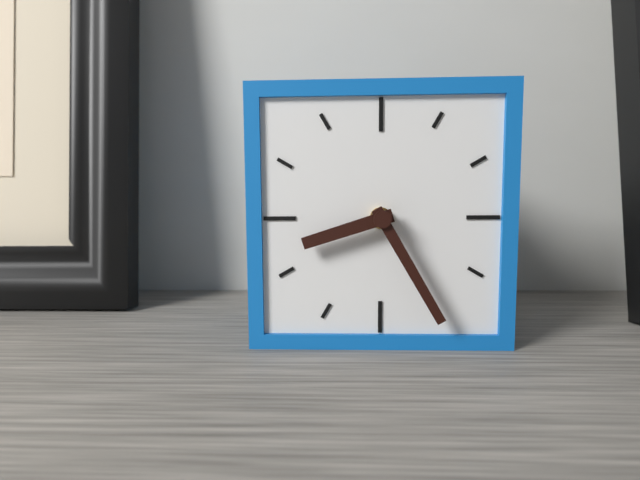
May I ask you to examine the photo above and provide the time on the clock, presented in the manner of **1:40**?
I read **8:25**
